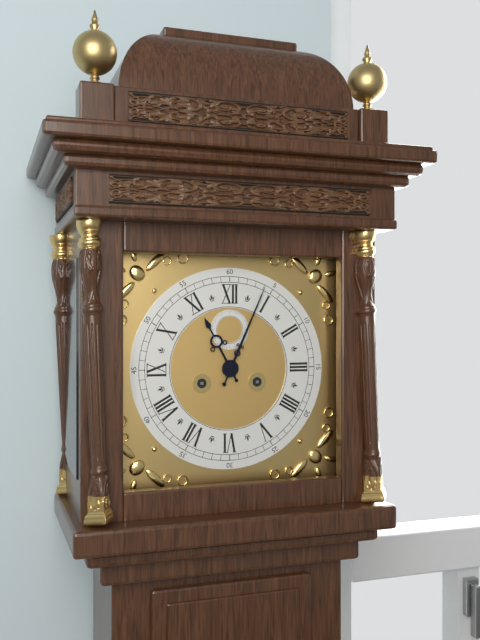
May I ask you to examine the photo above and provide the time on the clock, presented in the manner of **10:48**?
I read **11:04**
